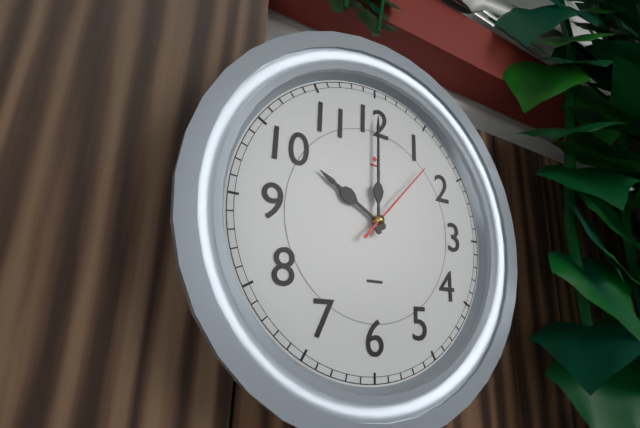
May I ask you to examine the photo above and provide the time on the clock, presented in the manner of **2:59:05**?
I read **10:00:07**
